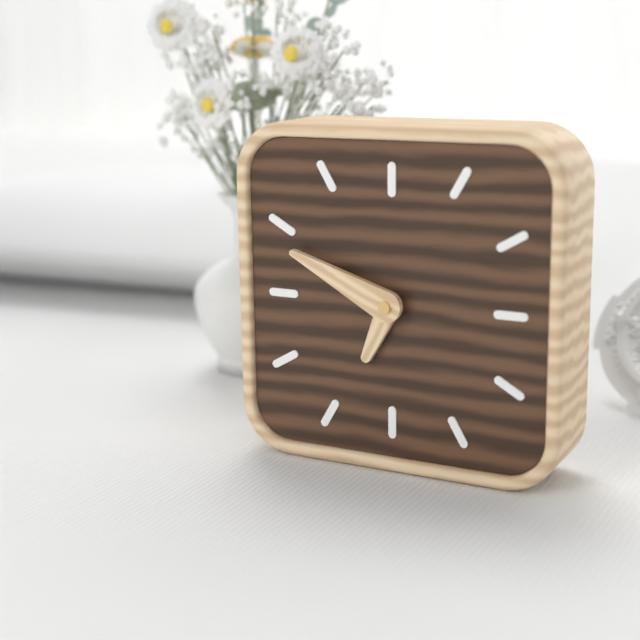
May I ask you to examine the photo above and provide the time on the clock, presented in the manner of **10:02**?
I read **6:49**
